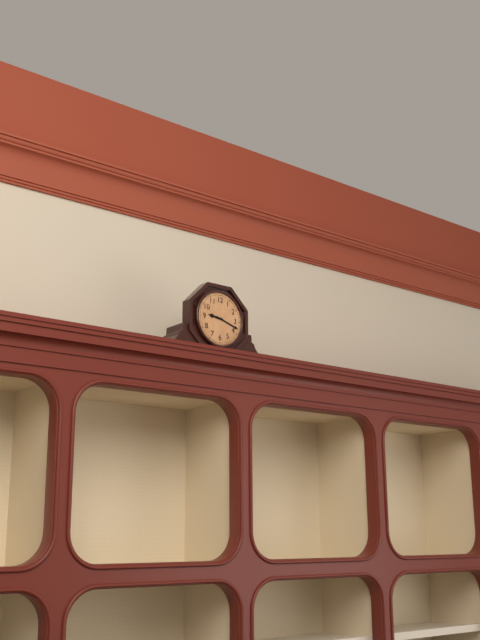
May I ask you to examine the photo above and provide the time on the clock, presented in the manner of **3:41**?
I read **9:18**
